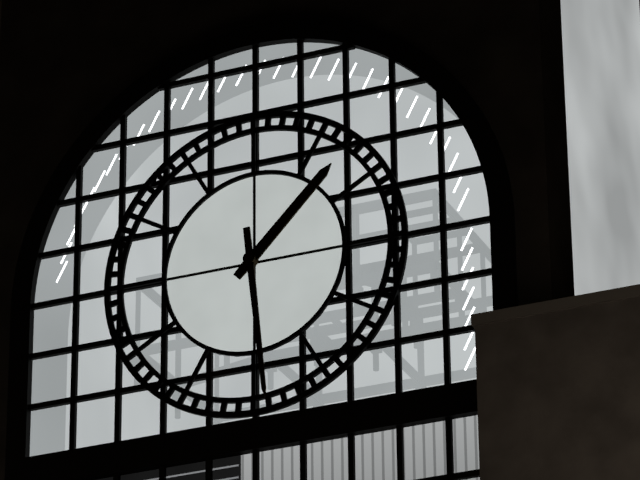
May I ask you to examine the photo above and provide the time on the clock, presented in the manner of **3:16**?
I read **1:29**
